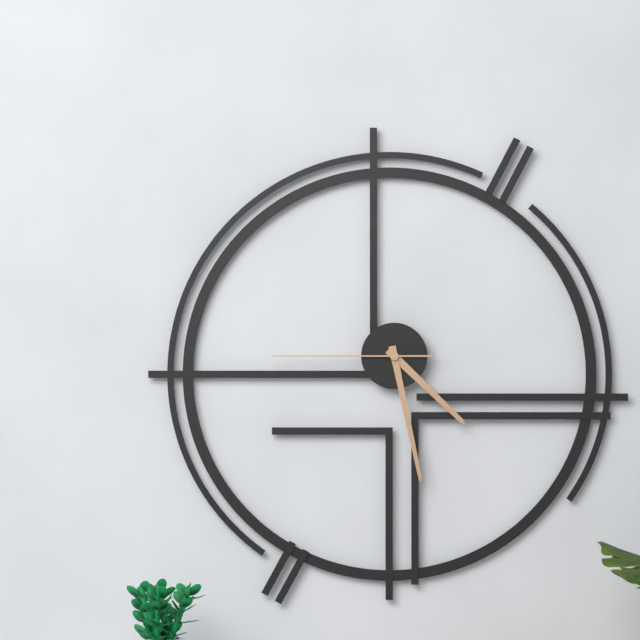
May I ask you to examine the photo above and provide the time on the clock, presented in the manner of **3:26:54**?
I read **4:28:45**
